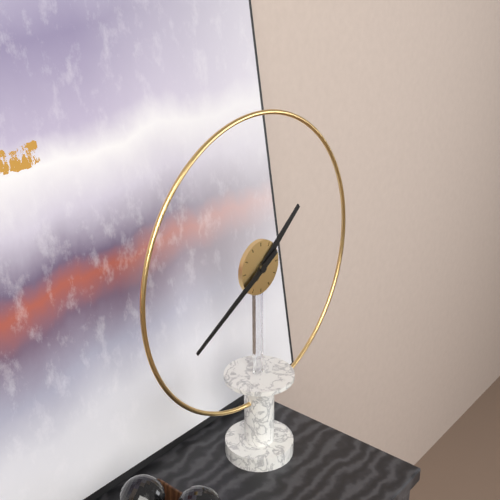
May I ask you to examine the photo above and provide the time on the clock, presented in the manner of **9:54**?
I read **1:40**
